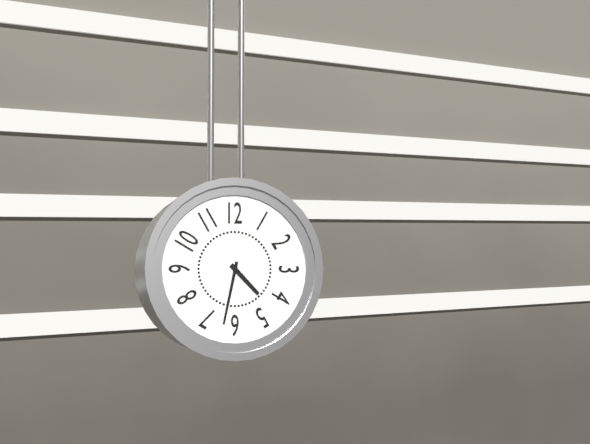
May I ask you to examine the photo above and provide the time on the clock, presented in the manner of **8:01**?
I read **4:32**
